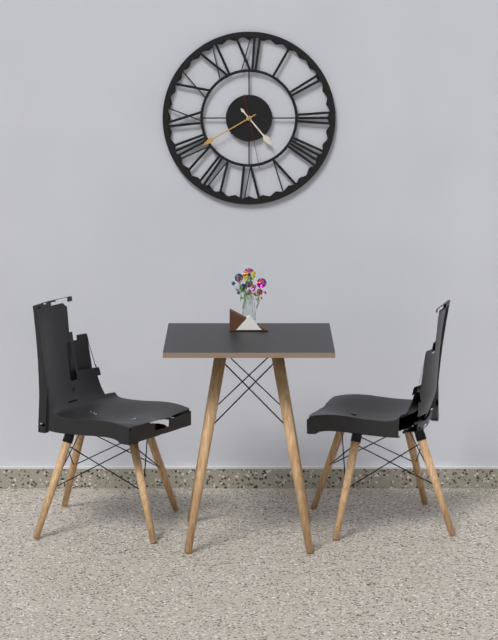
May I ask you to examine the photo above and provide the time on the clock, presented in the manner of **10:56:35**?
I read **4:40:28**
